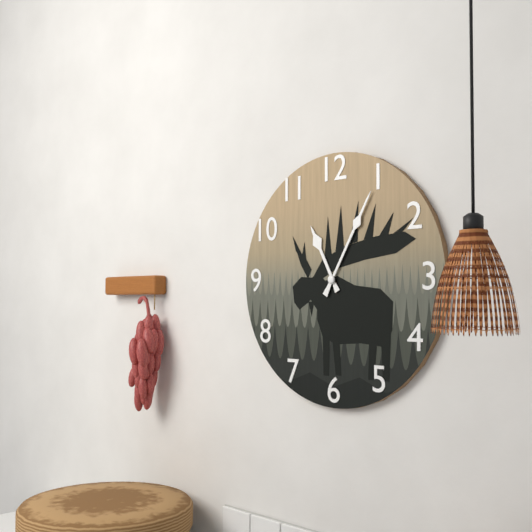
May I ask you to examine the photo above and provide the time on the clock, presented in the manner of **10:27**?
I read **11:05**
